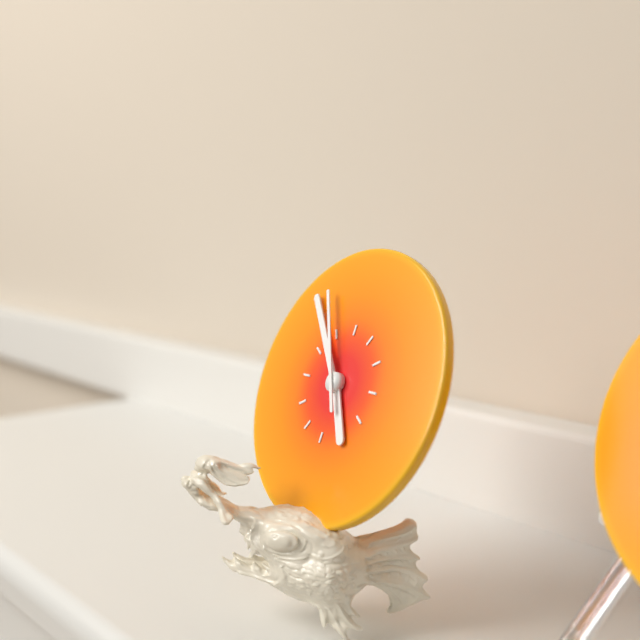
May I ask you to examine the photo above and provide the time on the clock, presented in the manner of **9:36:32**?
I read **4:53:55**
